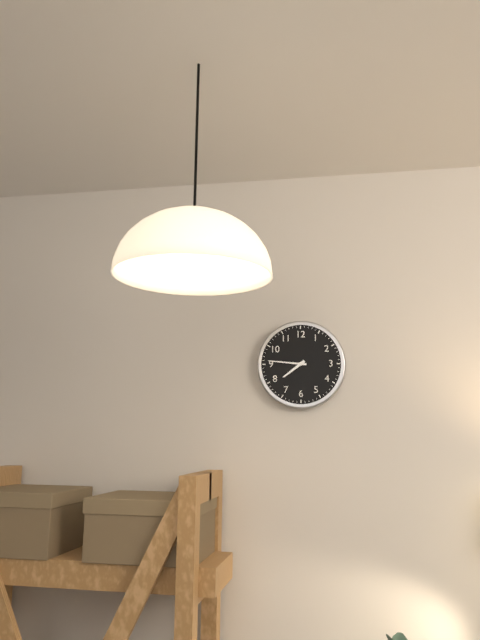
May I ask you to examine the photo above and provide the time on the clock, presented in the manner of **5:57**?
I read **7:46**
